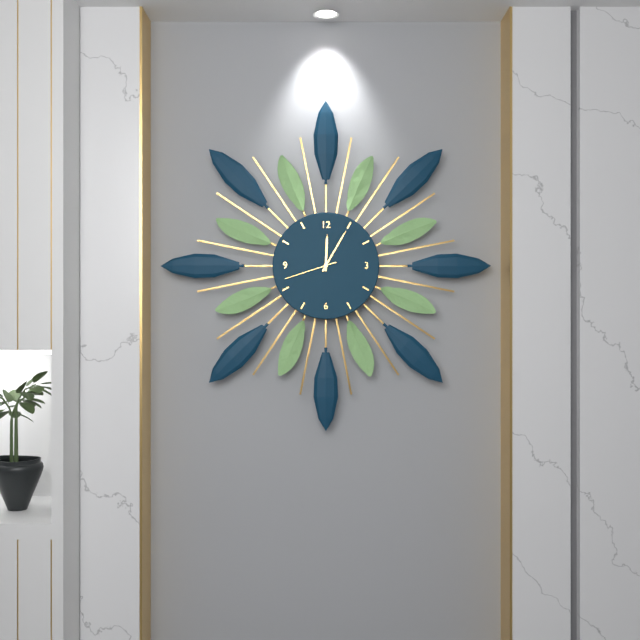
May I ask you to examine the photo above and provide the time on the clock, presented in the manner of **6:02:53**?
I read **12:05:42**
